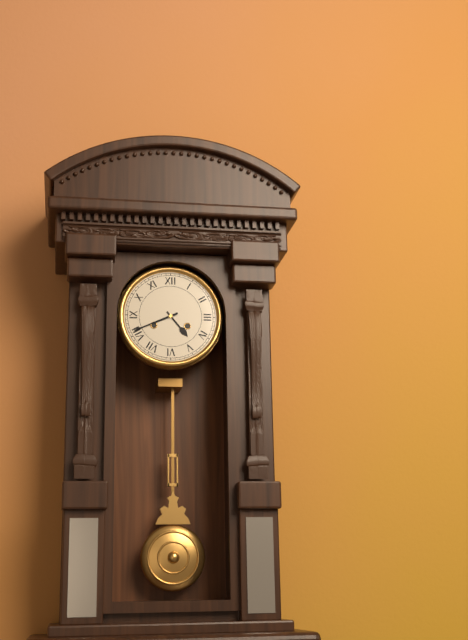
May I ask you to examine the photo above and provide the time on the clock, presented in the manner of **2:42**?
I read **4:41**
